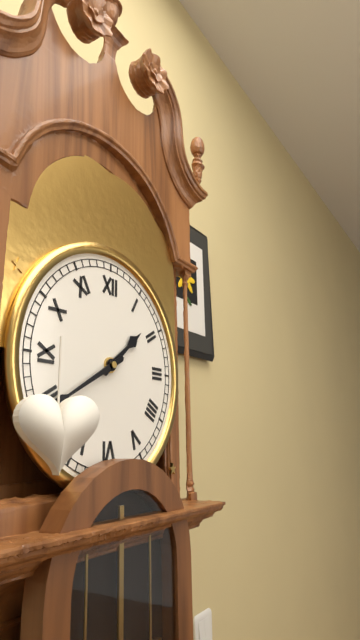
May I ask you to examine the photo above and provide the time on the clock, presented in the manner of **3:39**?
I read **1:40**
